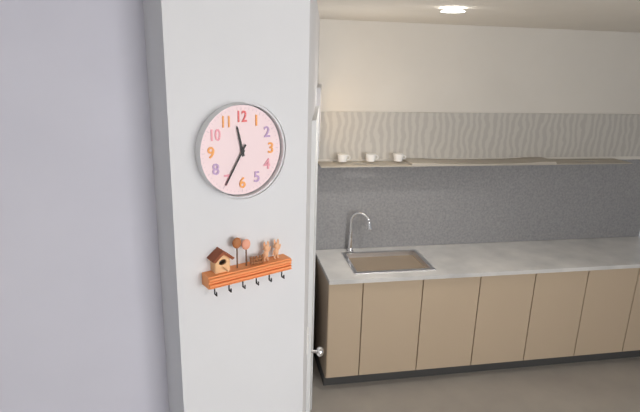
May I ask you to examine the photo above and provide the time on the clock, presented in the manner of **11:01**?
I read **11:35**
